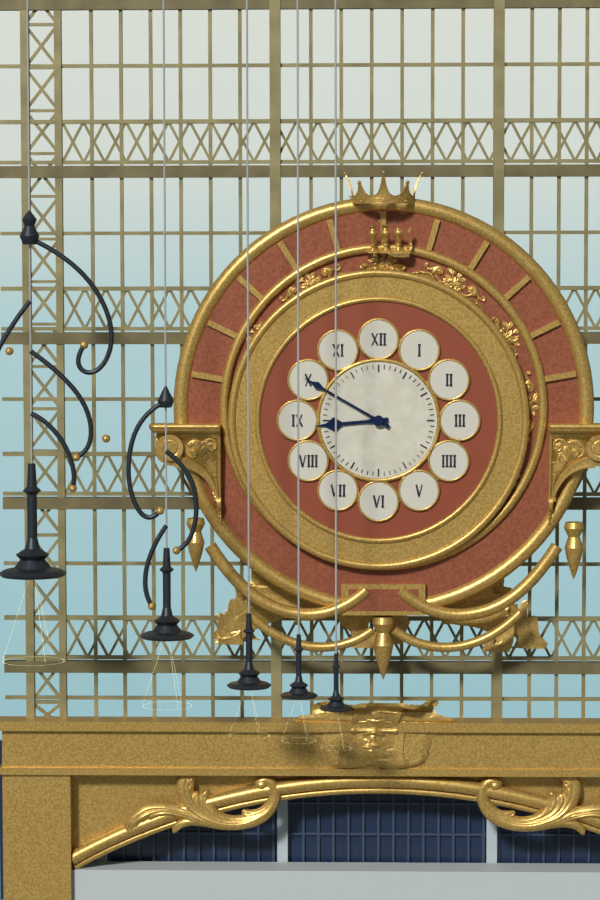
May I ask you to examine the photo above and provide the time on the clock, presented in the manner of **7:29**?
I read **8:50**
